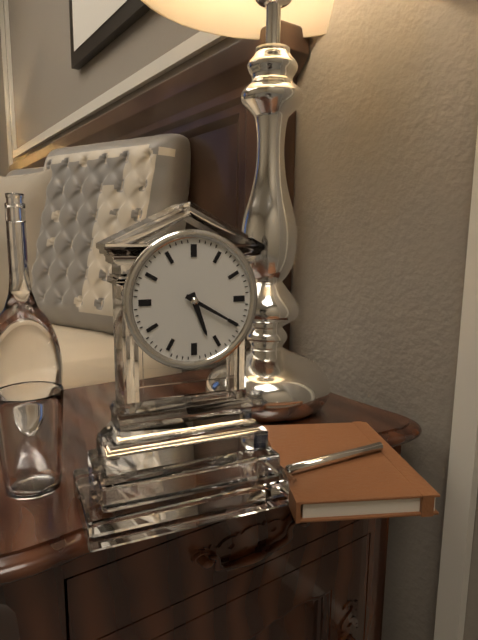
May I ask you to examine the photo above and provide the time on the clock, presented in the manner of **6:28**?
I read **5:20**
